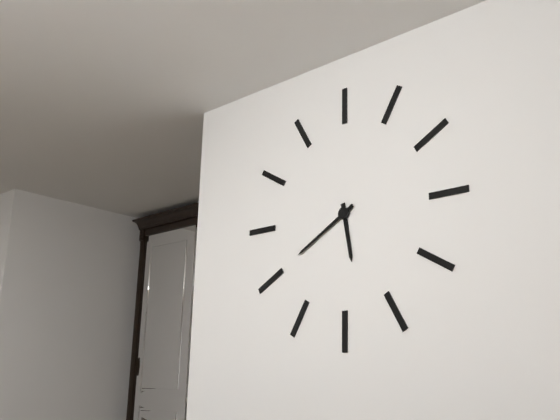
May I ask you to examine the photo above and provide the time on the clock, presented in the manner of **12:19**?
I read **5:40**
